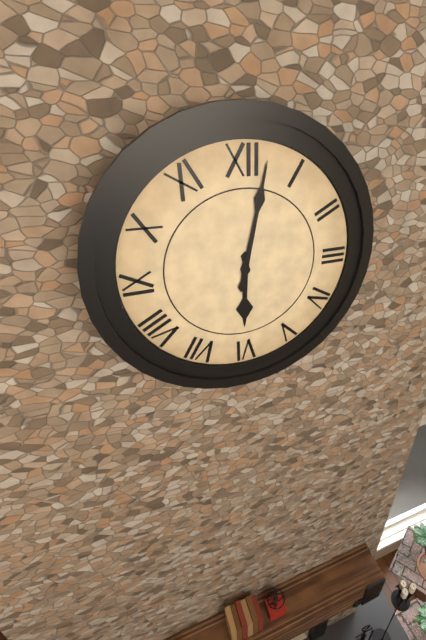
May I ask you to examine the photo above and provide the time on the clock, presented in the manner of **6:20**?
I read **6:02**
